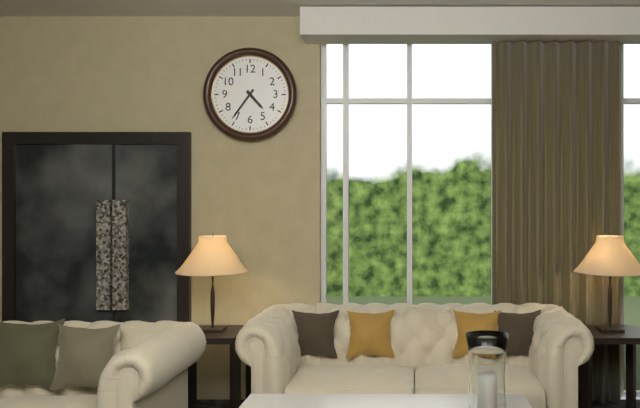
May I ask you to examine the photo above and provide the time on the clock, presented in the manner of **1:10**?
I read **4:36**
